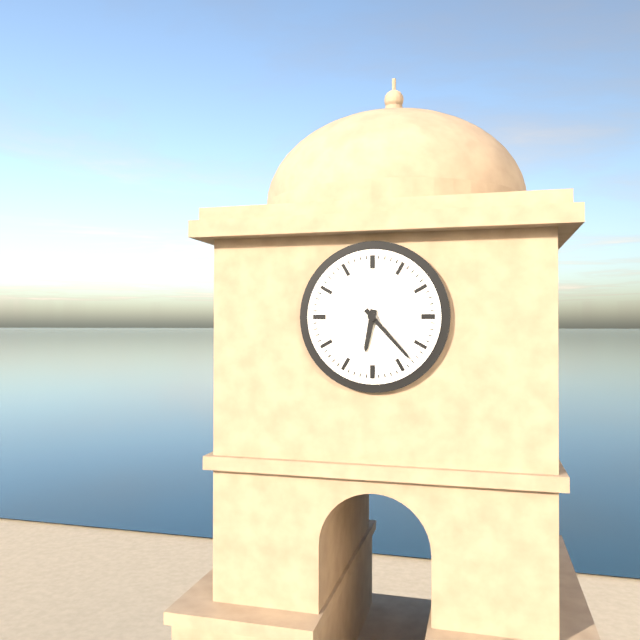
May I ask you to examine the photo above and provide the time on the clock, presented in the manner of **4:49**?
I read **6:23**
